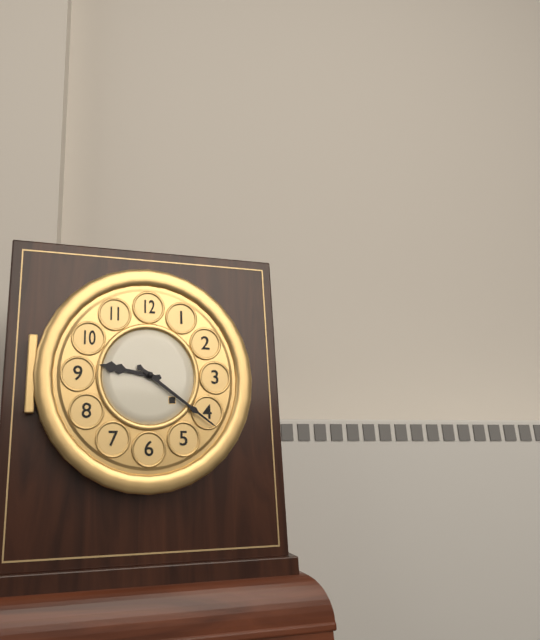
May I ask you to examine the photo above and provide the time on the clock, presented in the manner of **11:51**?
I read **9:21**
